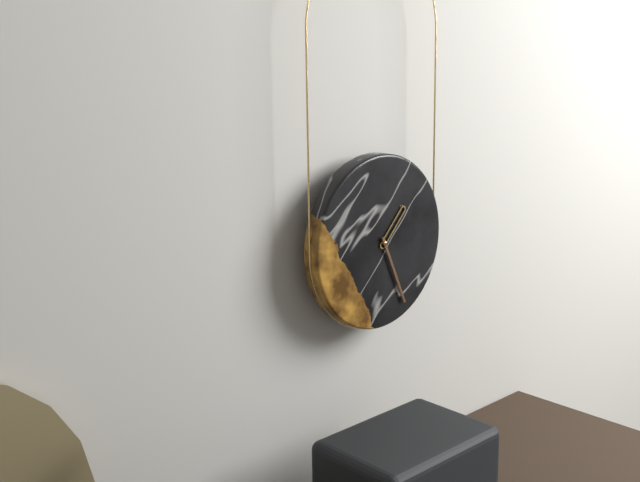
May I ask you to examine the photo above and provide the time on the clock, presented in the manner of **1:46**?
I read **1:26**
